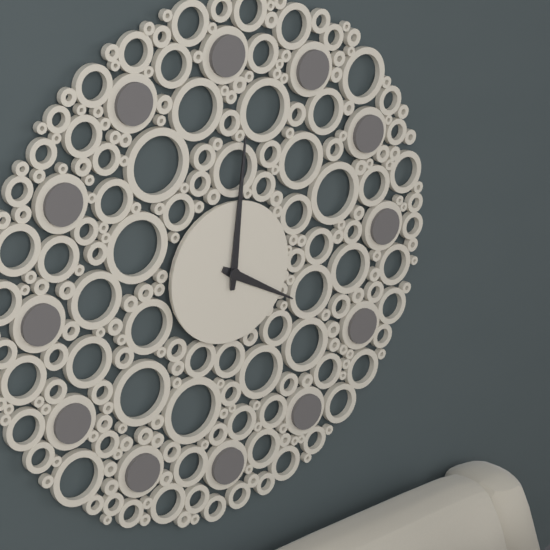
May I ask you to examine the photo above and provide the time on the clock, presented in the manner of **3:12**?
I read **4:01**
